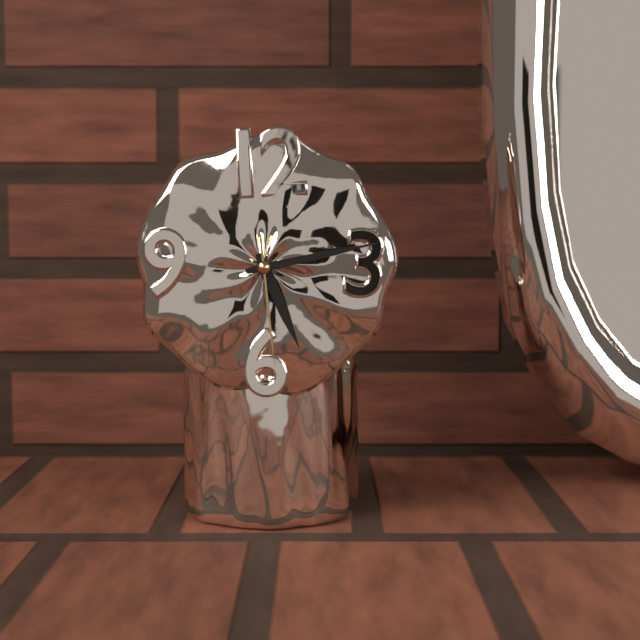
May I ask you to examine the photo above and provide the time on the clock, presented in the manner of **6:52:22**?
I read **5:13:29**
